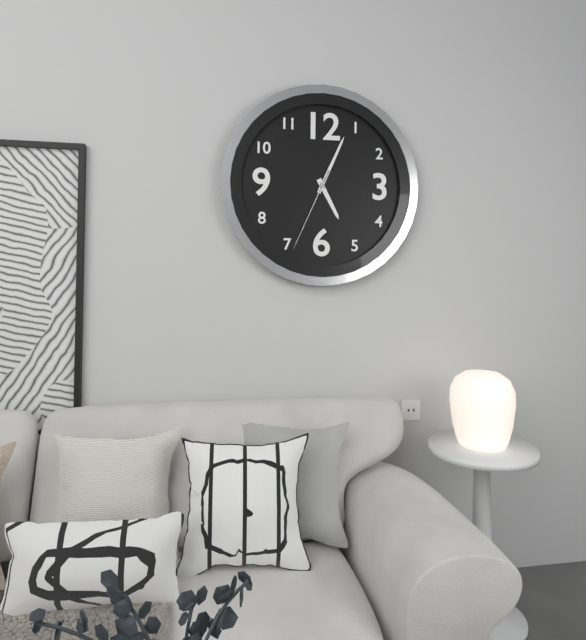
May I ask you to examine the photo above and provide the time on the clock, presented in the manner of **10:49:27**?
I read **5:04:34**
